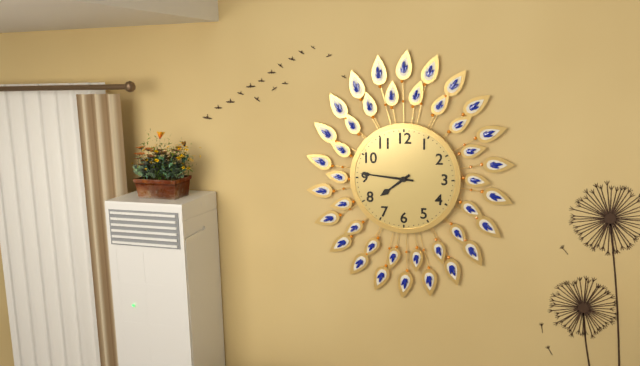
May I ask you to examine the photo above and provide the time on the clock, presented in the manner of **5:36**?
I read **7:46**
